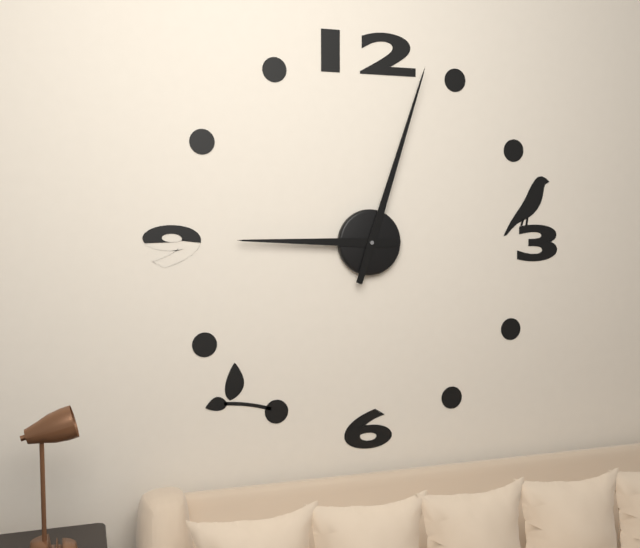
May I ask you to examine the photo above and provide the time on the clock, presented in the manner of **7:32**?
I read **9:03**
